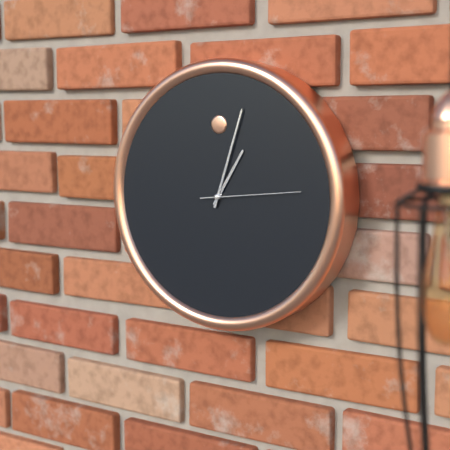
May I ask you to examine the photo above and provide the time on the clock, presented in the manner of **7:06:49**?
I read **1:03:14**
